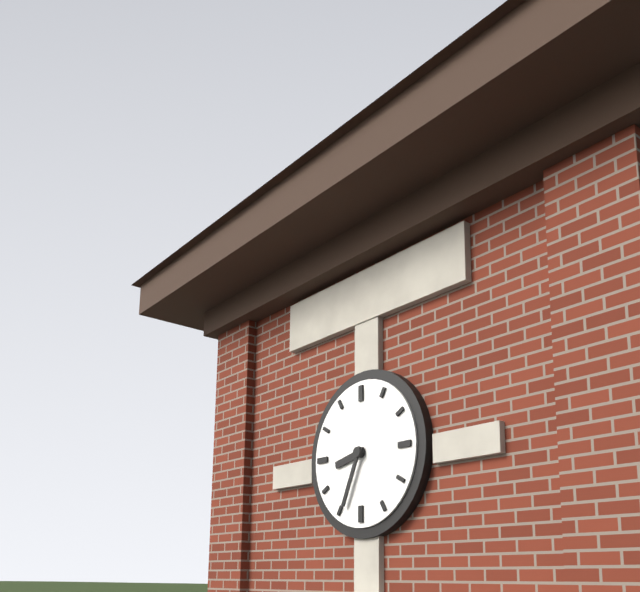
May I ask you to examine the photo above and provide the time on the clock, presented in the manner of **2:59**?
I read **8:34**
